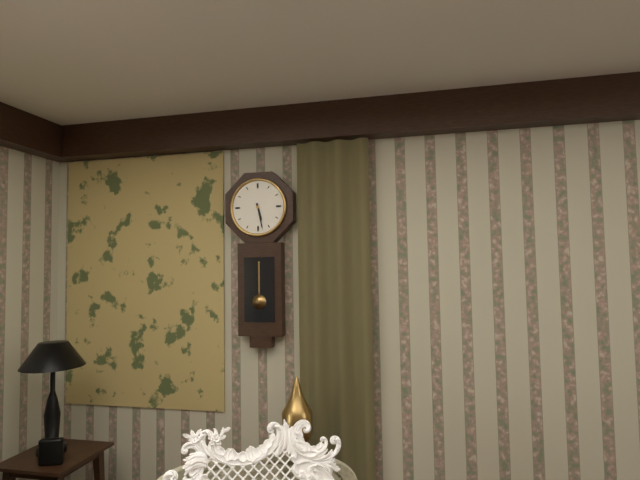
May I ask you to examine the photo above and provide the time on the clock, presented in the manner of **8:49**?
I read **5:28**
